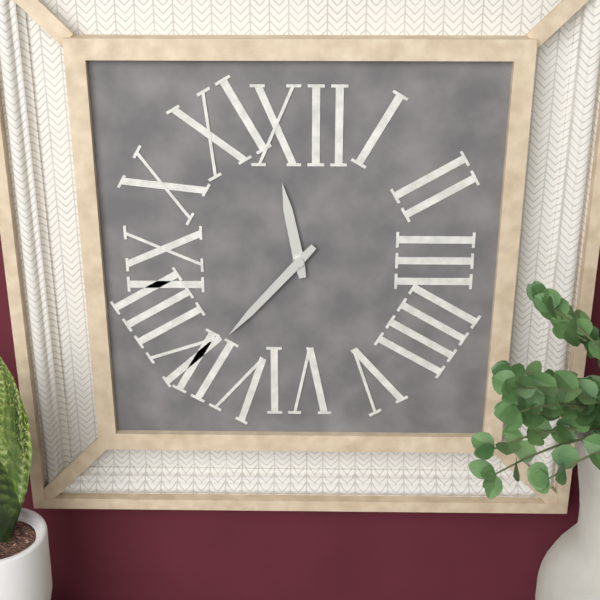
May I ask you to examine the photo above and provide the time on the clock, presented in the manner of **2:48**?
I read **11:37**
